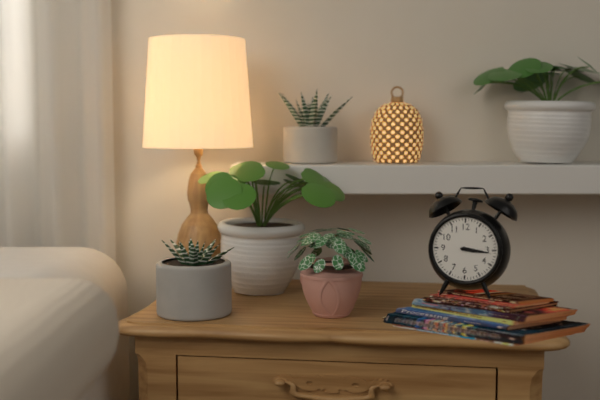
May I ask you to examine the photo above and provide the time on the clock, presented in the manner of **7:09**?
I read **3:16**
